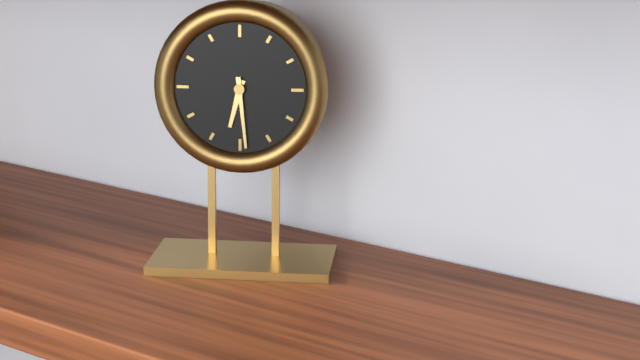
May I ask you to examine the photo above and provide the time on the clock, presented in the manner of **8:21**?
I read **6:29**
